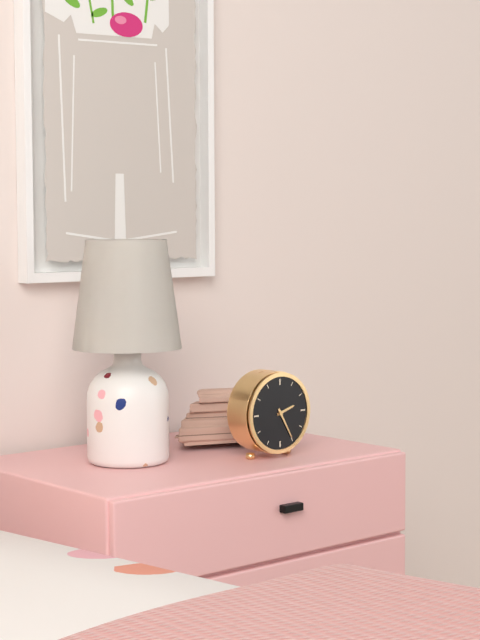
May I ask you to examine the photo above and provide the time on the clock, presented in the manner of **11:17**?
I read **2:25**
